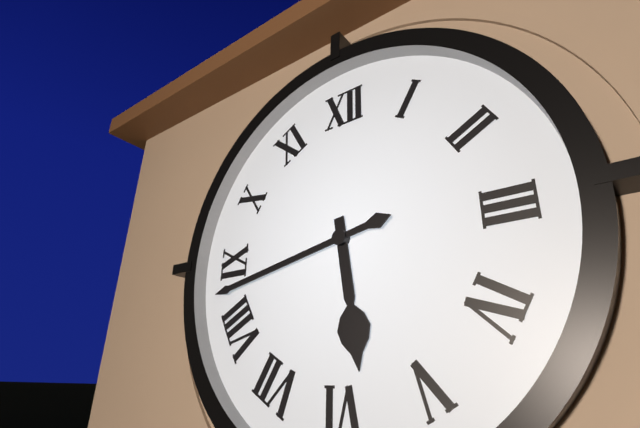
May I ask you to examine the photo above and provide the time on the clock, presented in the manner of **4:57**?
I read **5:43**
